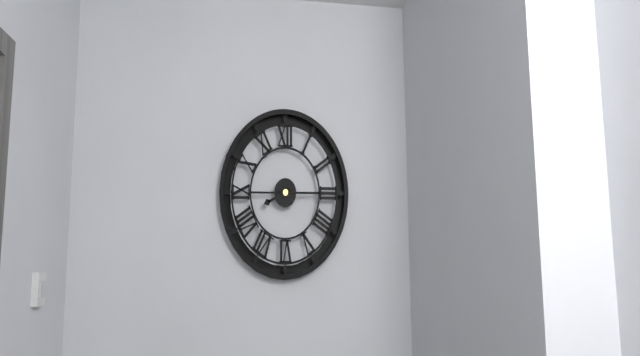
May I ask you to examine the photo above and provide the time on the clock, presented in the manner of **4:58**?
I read **8:15**
